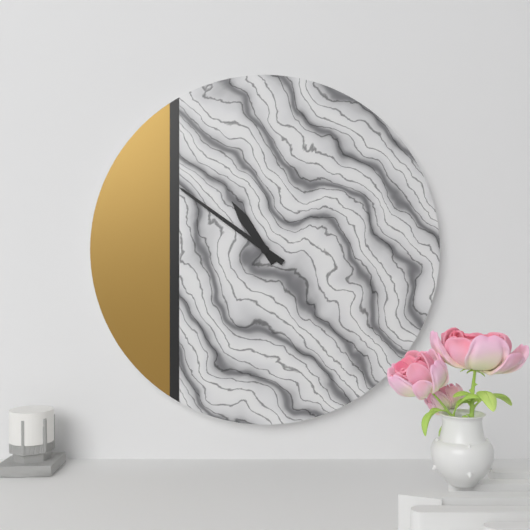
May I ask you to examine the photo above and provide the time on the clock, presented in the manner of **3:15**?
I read **10:51**
